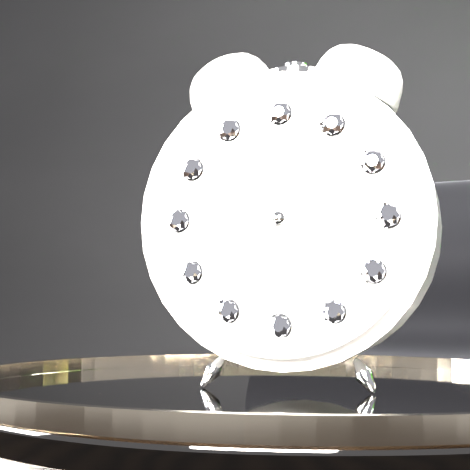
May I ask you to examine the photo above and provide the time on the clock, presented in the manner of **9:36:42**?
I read **7:38:35**
